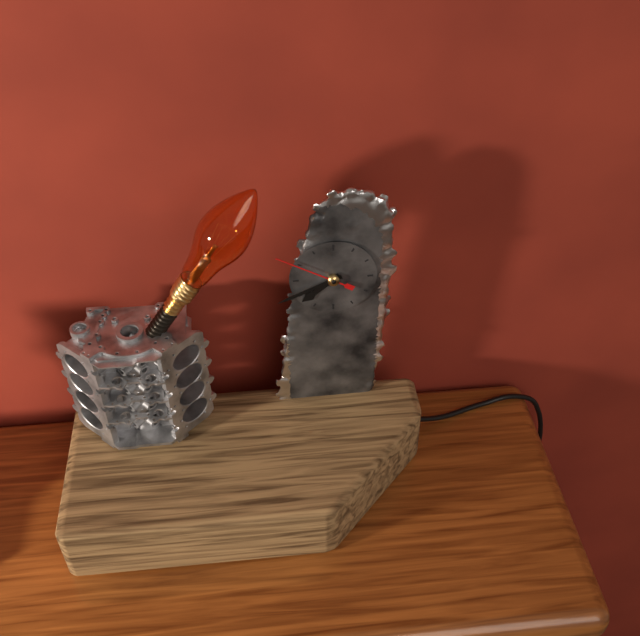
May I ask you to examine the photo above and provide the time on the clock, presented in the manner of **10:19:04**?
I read **7:41:50**
